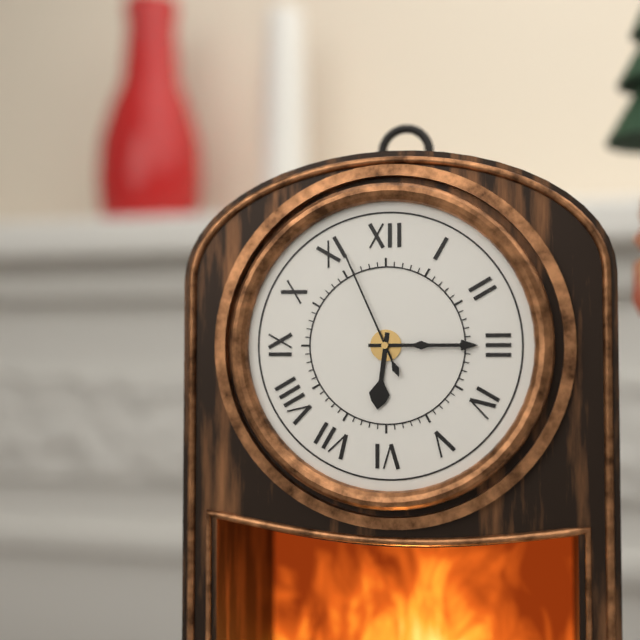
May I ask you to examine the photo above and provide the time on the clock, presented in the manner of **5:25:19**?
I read **6:15:56**
